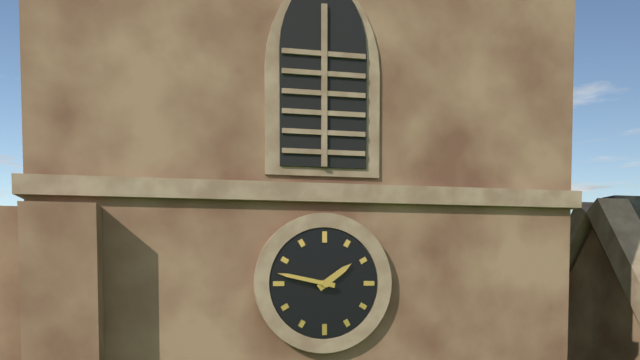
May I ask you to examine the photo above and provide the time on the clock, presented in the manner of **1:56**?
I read **1:47**
